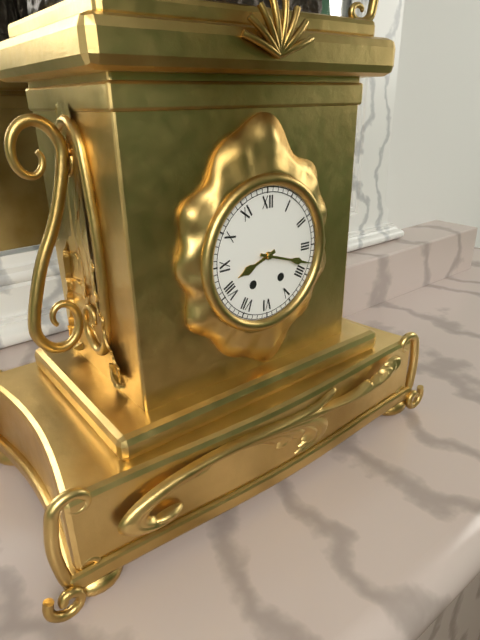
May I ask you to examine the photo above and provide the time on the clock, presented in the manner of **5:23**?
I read **8:18**
